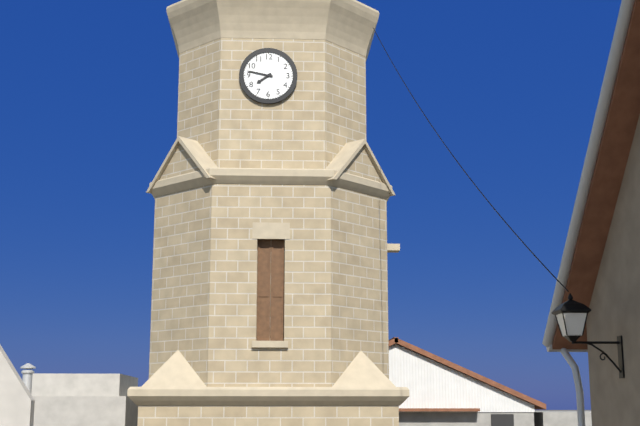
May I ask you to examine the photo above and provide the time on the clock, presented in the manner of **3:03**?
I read **7:47**
